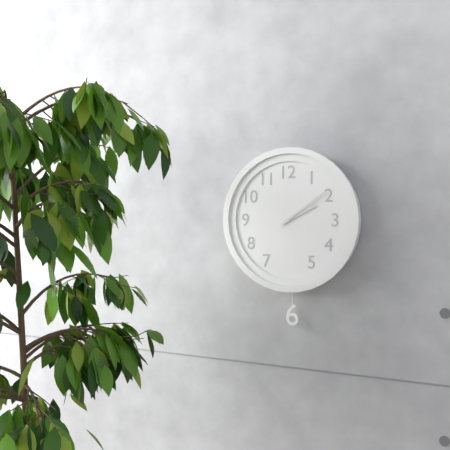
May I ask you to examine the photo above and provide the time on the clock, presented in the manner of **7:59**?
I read **2:09**
